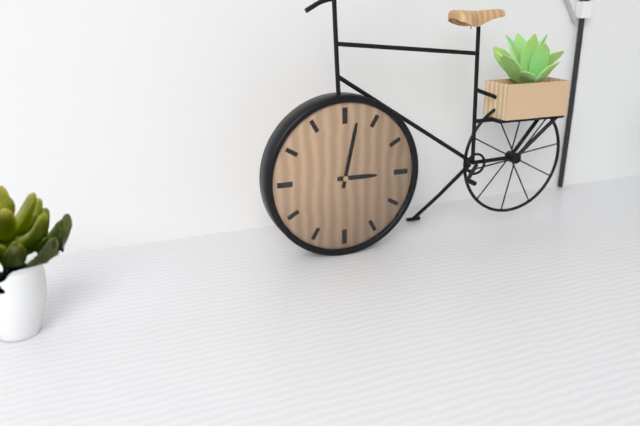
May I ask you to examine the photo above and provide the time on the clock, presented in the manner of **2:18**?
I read **3:02**
